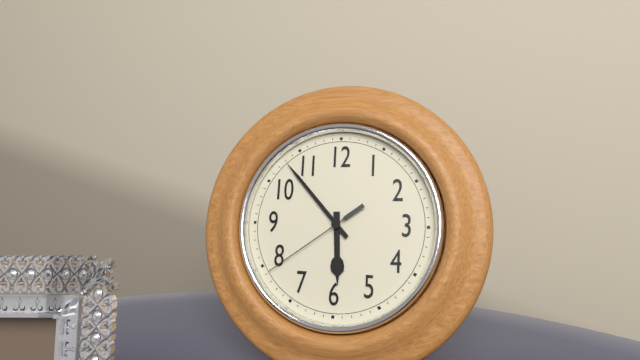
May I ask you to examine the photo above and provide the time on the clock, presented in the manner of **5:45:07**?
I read **5:53:39**
